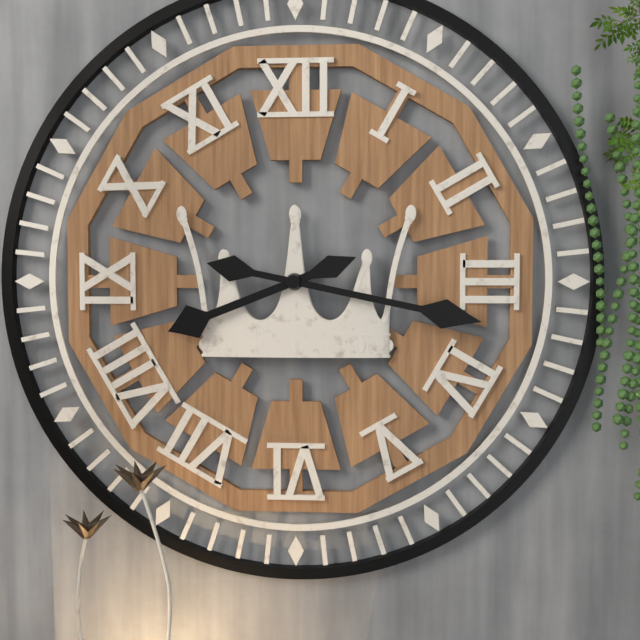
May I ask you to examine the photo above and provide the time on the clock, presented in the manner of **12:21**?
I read **8:17**
